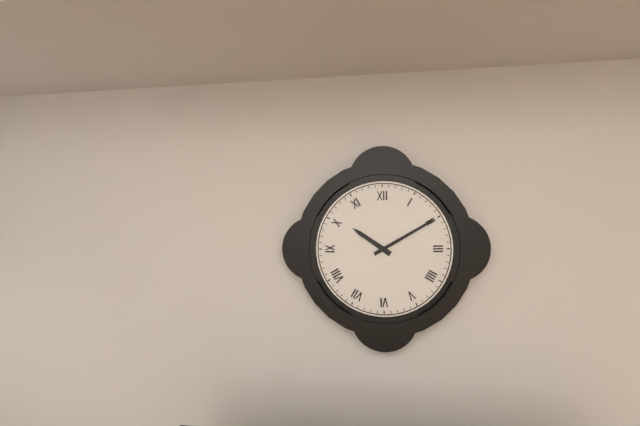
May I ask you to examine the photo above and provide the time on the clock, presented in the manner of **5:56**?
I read **10:10**
